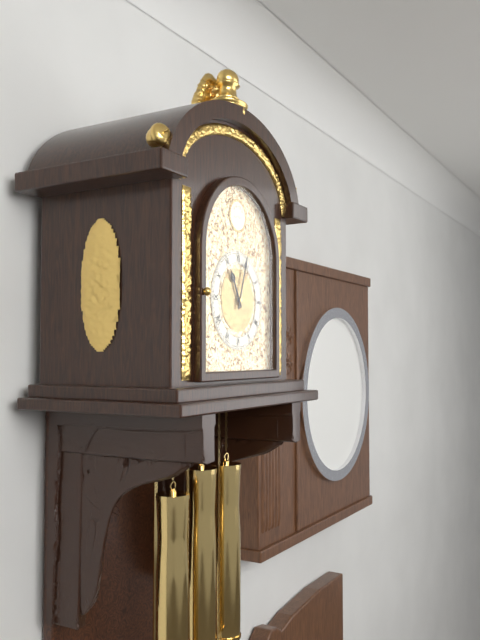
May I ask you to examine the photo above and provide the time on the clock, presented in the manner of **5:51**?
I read **11:03**
